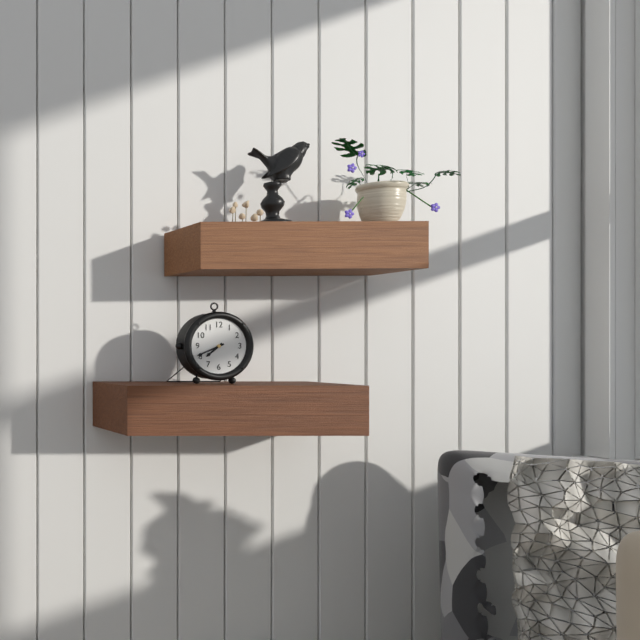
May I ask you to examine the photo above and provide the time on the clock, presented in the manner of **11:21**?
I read **7:41**
